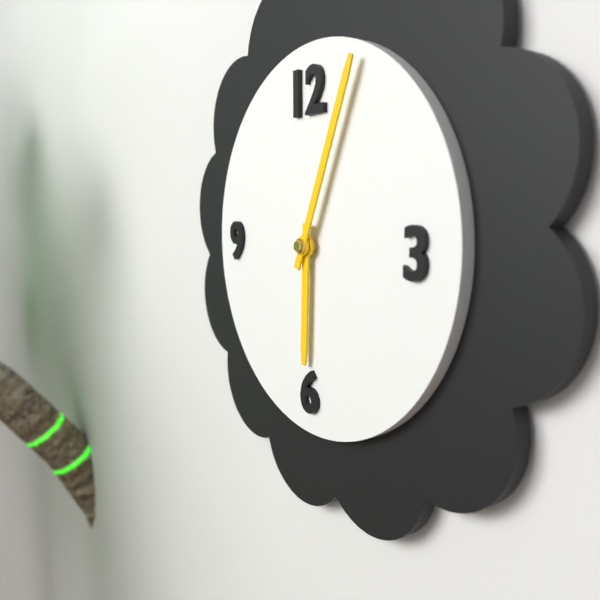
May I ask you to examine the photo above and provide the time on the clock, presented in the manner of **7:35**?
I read **6:04**
